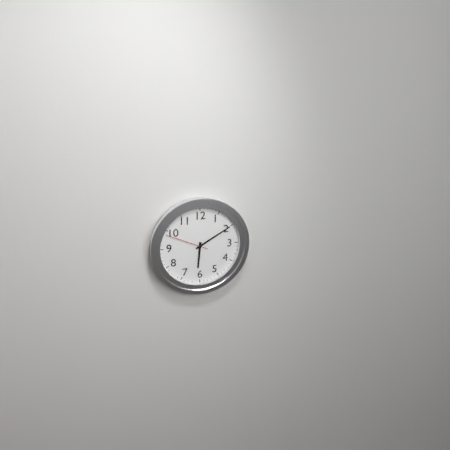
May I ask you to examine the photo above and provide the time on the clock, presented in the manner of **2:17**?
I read **6:10**
